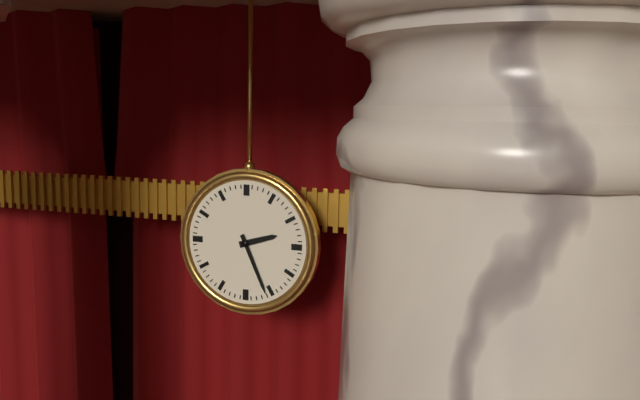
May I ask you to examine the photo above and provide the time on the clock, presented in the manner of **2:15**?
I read **2:26**
